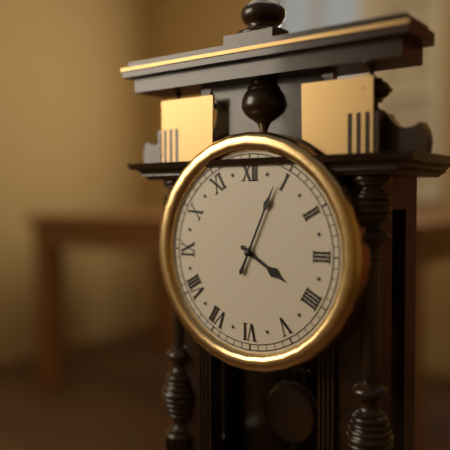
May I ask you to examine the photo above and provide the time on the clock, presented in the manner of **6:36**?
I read **4:04**
